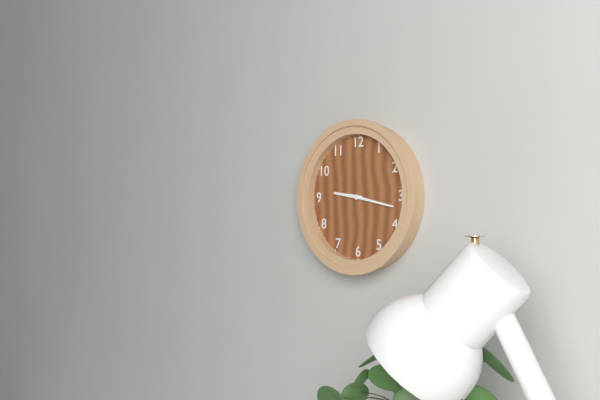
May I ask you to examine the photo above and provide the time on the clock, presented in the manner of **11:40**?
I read **9:17**
